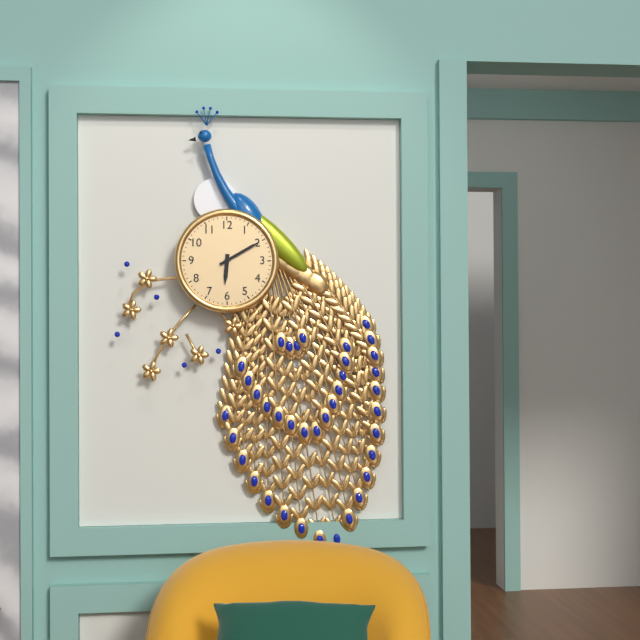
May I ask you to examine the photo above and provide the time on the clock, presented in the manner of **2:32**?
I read **6:10**
